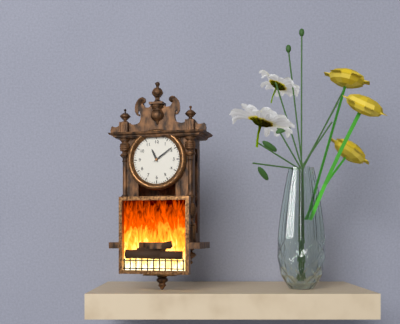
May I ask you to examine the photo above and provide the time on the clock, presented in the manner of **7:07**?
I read **11:09**
